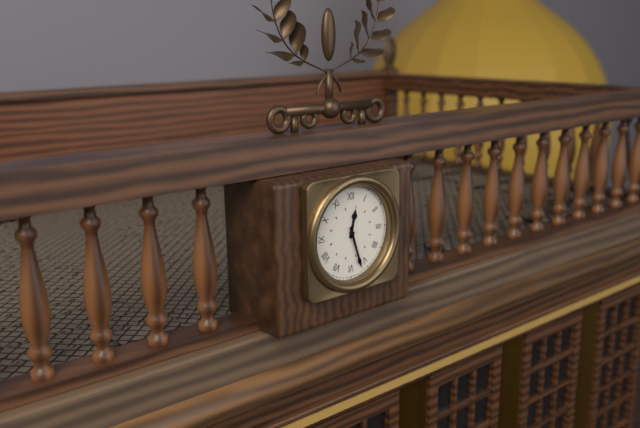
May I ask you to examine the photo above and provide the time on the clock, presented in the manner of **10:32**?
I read **12:27**
